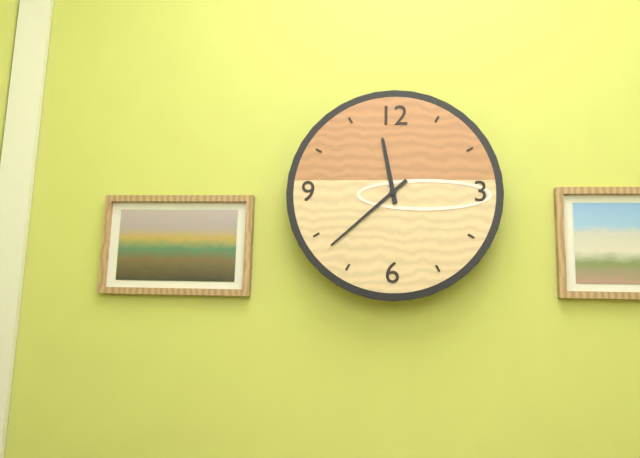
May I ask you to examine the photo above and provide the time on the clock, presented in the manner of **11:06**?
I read **11:38**
